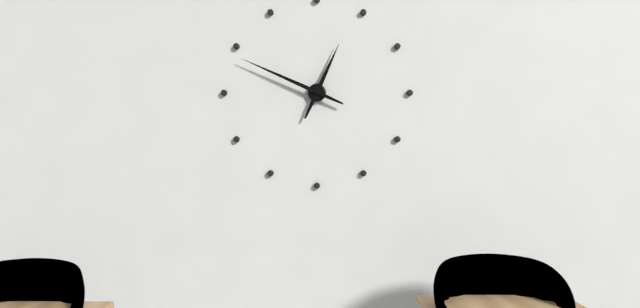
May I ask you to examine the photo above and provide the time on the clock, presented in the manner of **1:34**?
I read **12:49**
